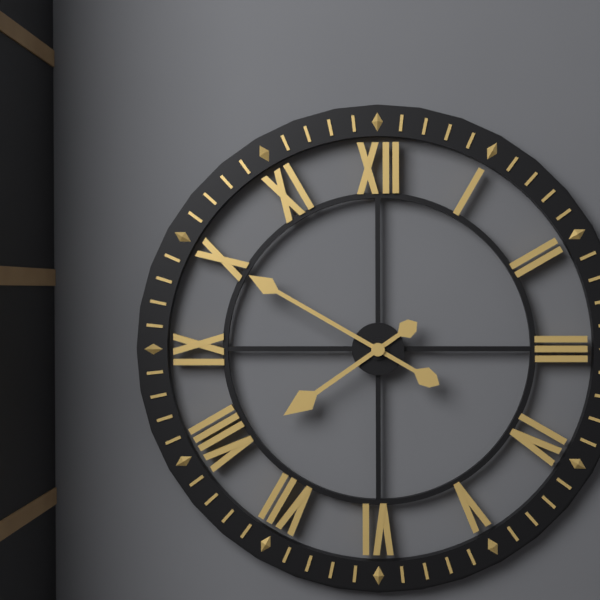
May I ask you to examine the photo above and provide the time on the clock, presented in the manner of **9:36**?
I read **7:50**
